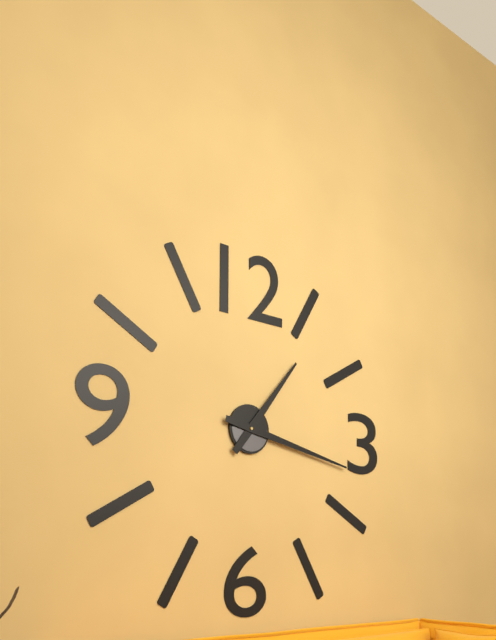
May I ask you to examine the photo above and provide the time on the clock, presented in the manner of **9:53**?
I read **1:17**
